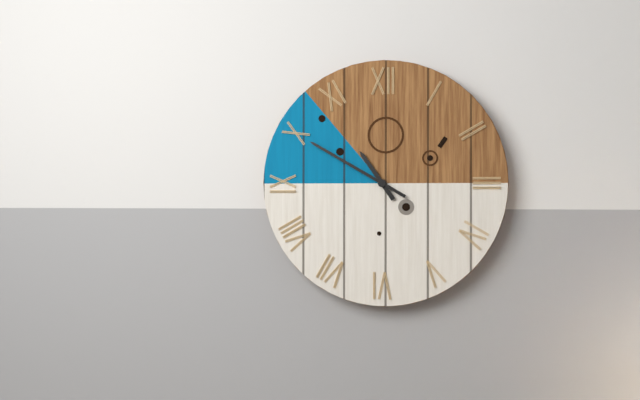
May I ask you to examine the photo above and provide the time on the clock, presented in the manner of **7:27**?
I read **10:50**
